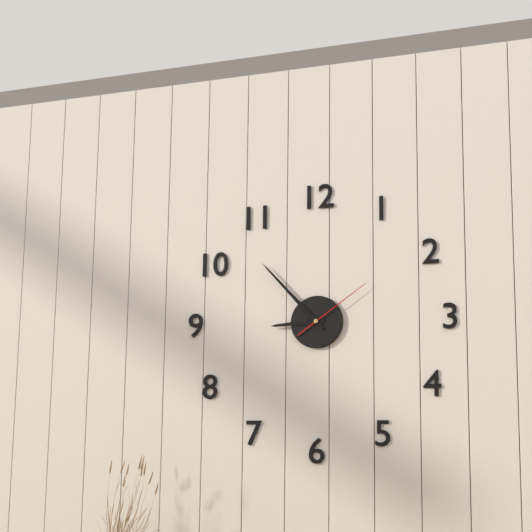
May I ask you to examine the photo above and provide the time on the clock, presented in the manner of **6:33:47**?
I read **8:53:09**
